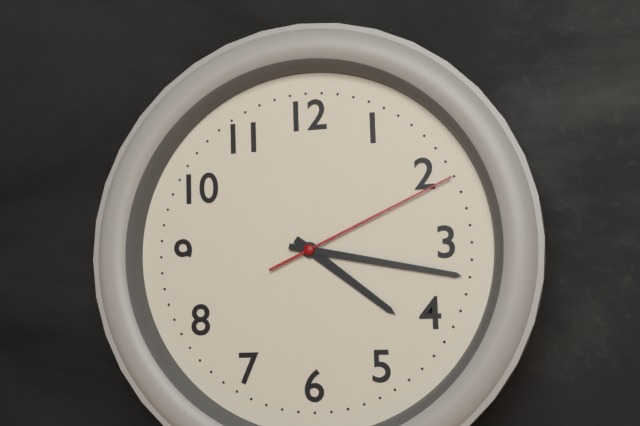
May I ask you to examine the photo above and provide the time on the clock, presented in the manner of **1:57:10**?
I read **4:17:11**
